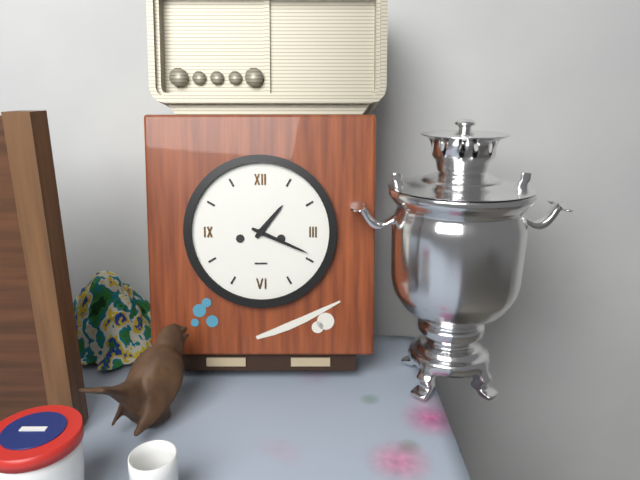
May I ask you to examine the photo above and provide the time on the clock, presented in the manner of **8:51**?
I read **1:19**
